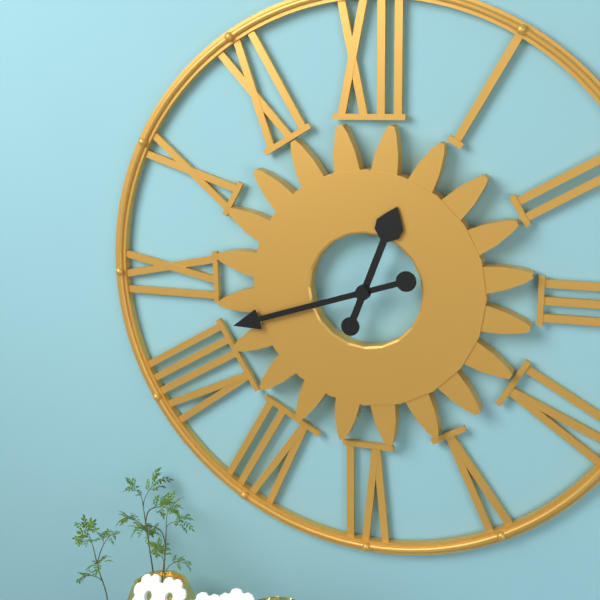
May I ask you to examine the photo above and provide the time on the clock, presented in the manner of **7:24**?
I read **12:42**
